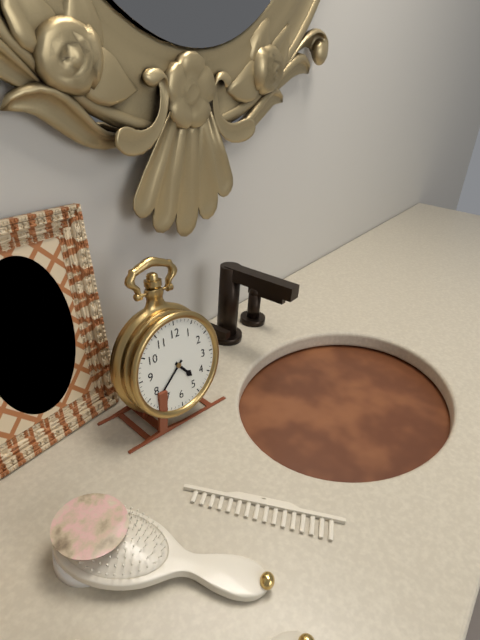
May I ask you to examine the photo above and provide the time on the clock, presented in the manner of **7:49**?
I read **4:38**
